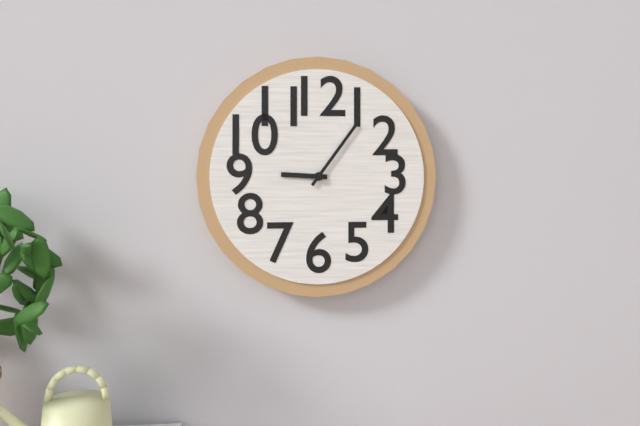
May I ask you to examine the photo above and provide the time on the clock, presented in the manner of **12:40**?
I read **9:06**
